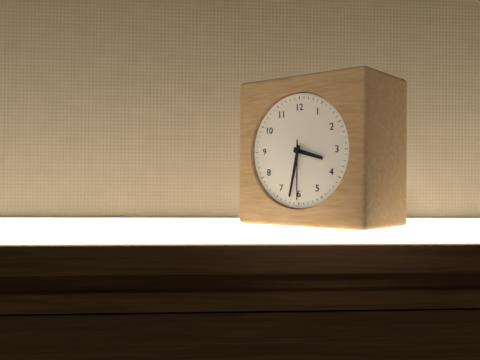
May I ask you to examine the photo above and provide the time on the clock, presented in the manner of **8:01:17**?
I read **3:32:30**
